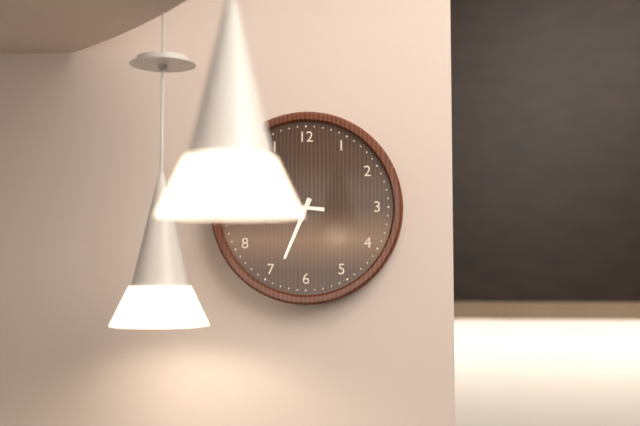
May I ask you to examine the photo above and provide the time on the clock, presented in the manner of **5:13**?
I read **6:46**
